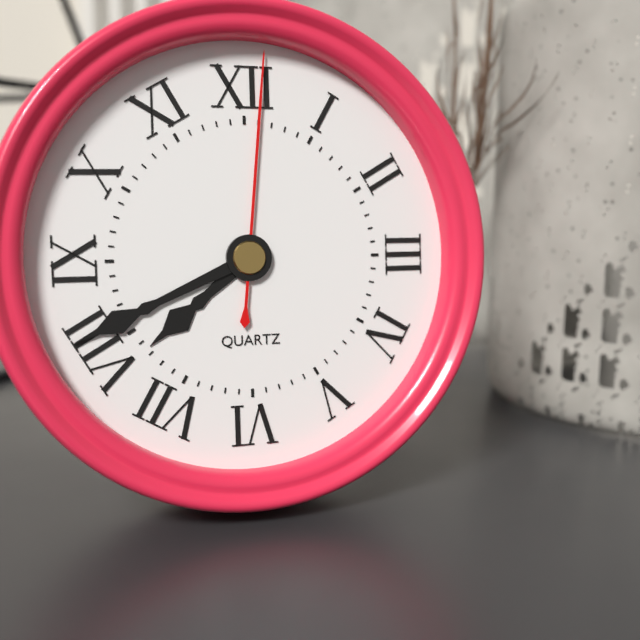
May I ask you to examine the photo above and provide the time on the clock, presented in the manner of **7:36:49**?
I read **7:41:01**
